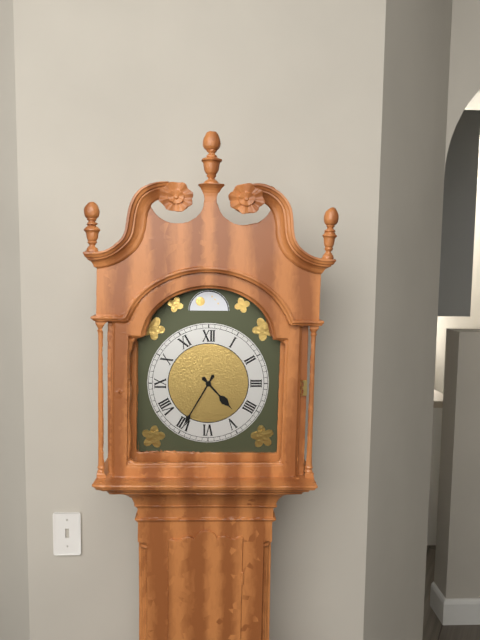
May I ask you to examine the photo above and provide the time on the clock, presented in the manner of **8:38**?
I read **4:35**
